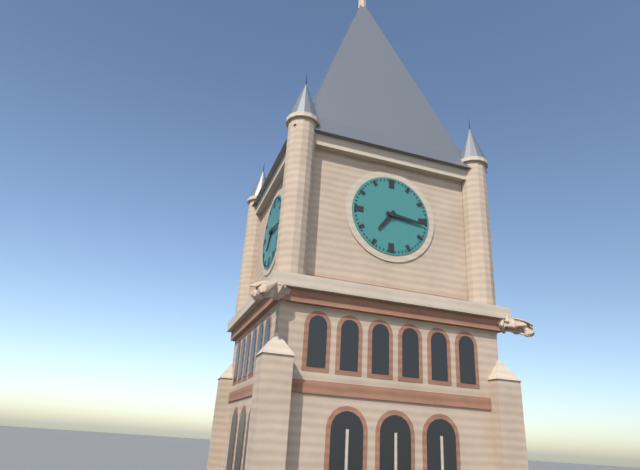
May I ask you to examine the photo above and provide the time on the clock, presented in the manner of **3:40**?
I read **7:16**
